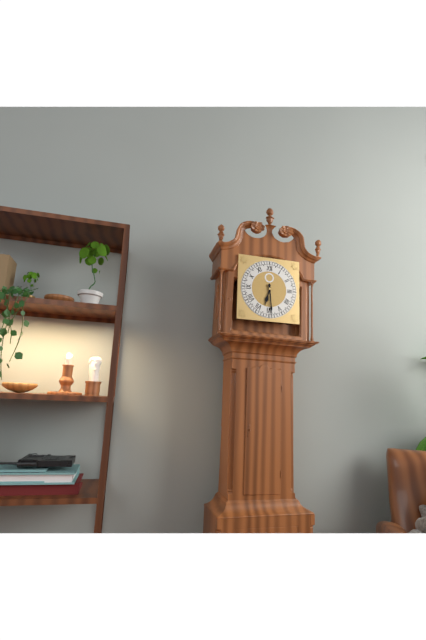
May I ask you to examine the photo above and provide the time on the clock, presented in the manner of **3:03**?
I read **6:29**
